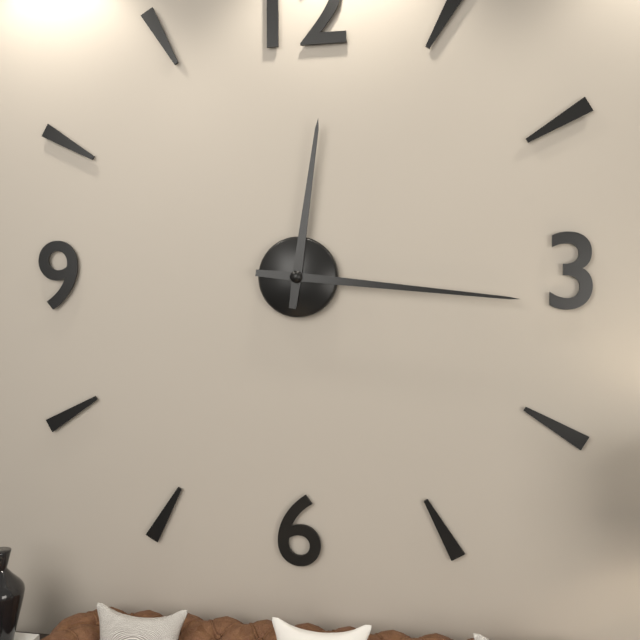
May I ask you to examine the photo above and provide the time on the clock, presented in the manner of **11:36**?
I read **12:16**
